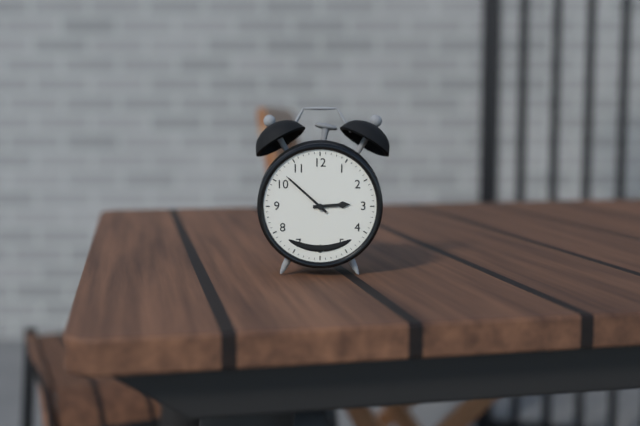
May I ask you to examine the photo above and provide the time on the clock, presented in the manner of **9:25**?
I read **2:52**
